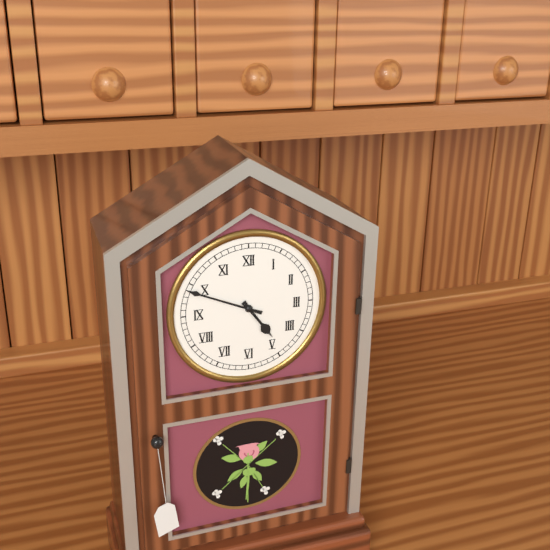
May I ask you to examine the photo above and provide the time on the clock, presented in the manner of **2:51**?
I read **4:49**
